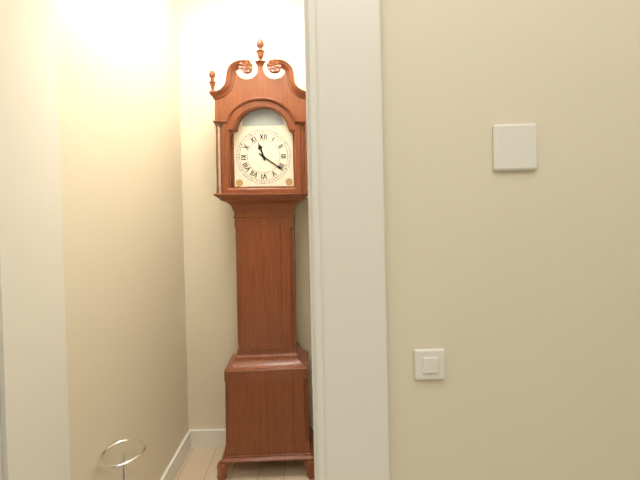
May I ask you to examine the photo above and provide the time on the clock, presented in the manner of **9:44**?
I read **11:21**
